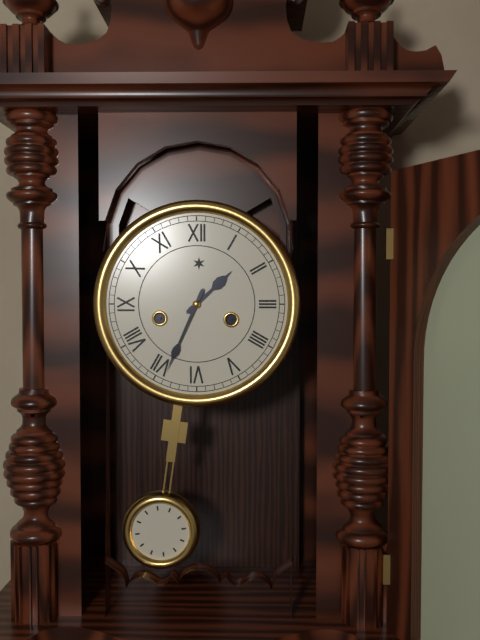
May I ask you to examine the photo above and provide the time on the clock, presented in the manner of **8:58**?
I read **1:34**
